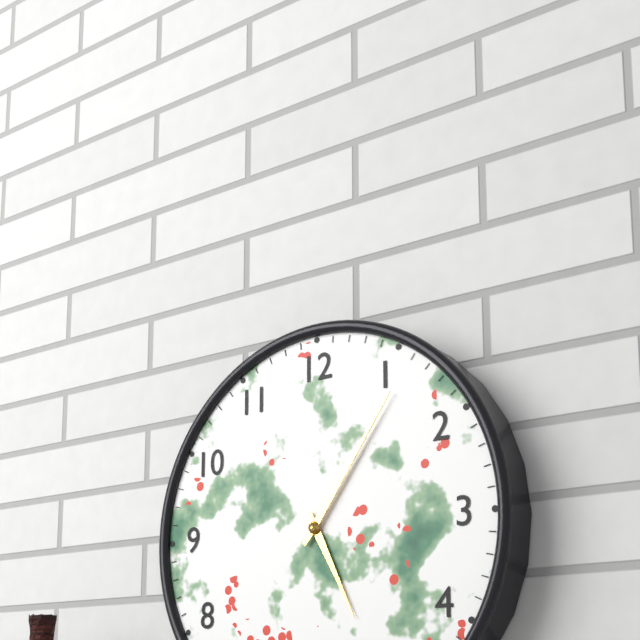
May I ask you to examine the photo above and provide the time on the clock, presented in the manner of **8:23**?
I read **5:06**
